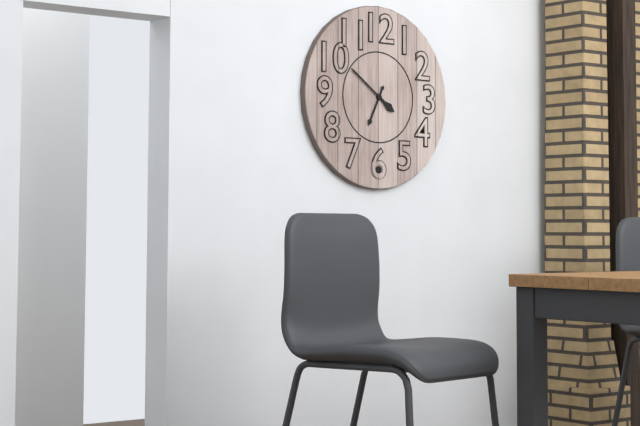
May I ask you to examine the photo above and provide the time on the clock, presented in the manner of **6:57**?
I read **6:51**
